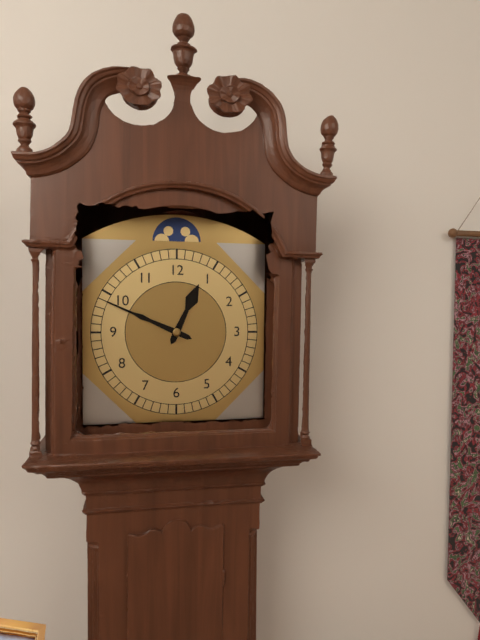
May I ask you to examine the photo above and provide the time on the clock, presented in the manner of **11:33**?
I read **12:49**
